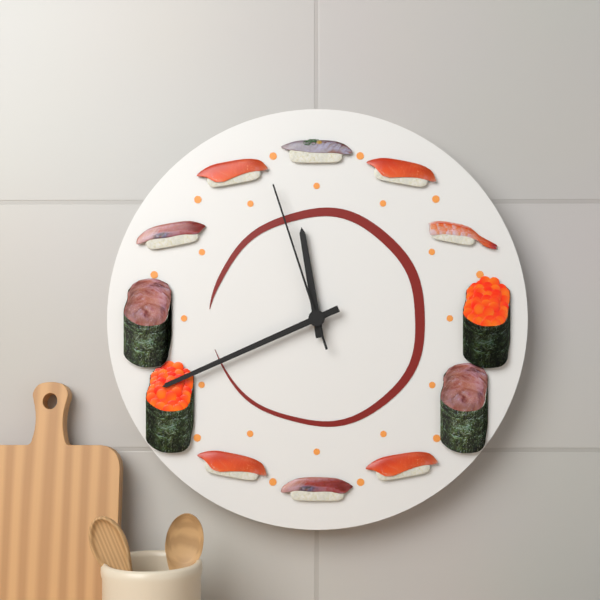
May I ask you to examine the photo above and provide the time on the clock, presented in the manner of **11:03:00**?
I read **11:41:57**
